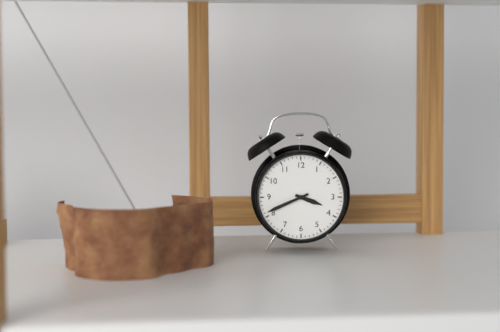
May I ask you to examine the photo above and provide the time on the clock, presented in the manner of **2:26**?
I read **3:41**
